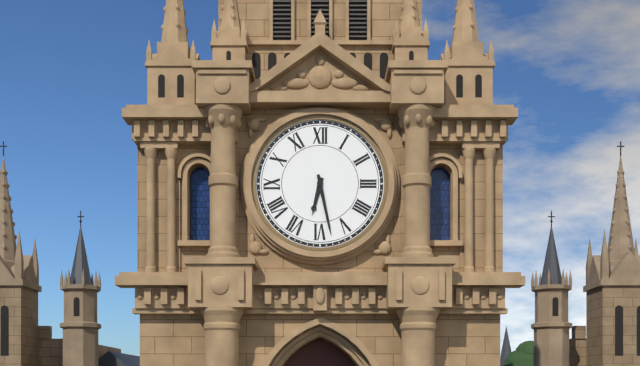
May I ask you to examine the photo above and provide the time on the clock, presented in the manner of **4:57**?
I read **6:28**
